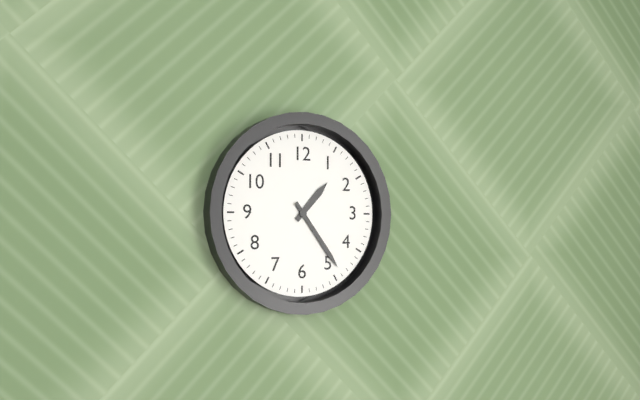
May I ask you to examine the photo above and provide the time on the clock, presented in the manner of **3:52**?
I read **1:24**
